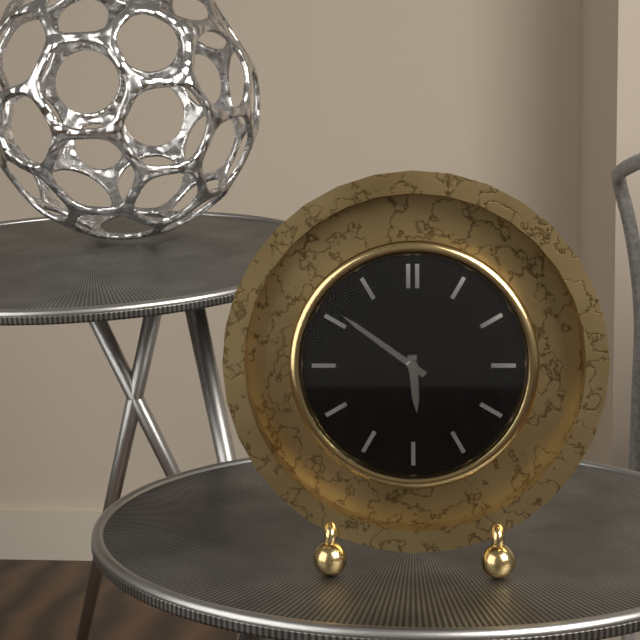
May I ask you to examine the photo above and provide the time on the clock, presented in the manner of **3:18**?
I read **5:51**
